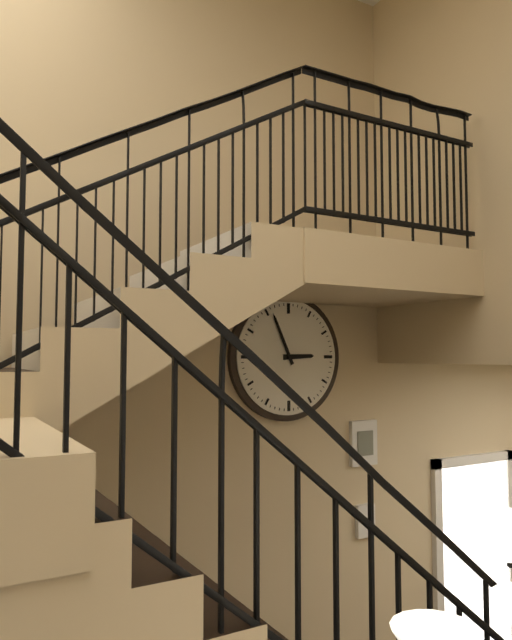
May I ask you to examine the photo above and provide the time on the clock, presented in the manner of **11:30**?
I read **2:56**
